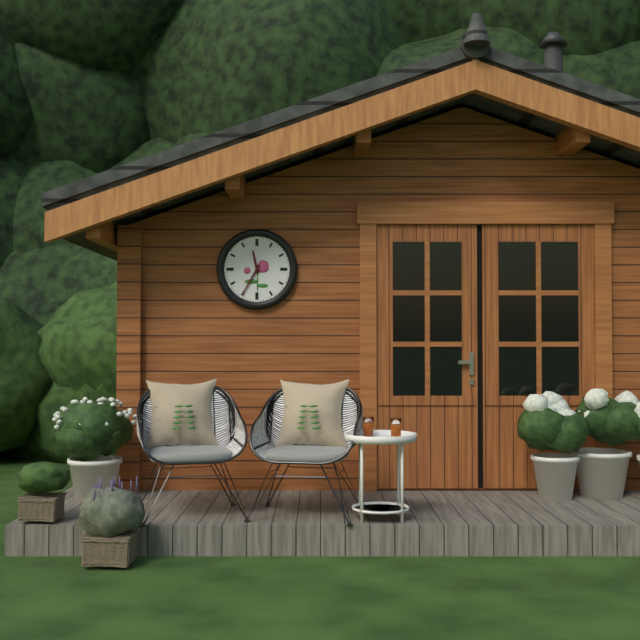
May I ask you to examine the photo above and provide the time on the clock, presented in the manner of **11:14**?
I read **11:35**
